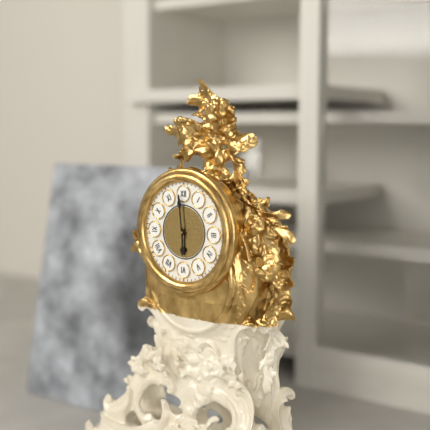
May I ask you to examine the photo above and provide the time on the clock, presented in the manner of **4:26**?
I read **5:59**
